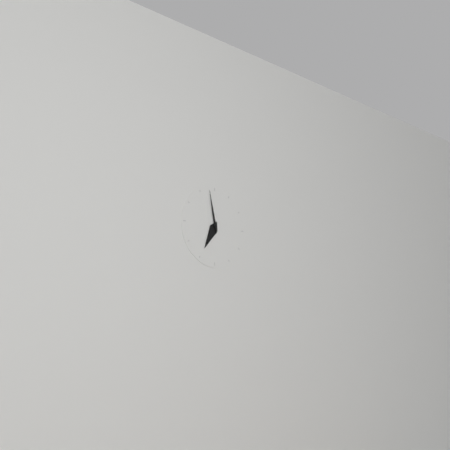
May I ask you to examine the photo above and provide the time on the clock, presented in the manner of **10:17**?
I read **6:58**
